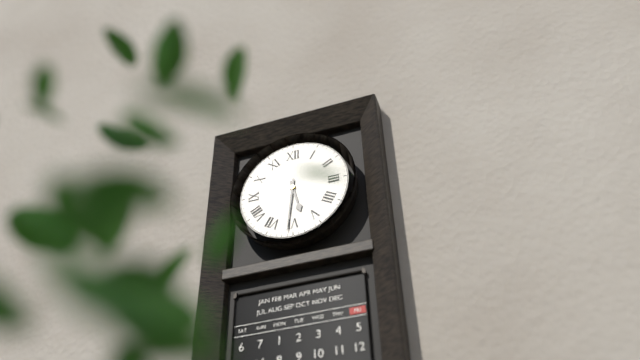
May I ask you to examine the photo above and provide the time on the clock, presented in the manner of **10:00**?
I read **5:31**
